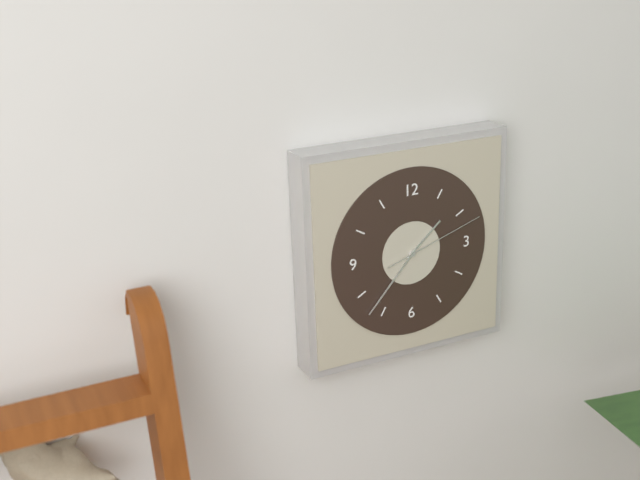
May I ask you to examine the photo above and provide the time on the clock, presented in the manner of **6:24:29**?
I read **1:37:12**
